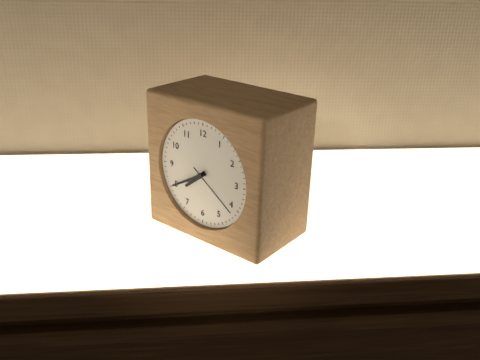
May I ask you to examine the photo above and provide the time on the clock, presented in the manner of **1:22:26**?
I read **7:40:21**
